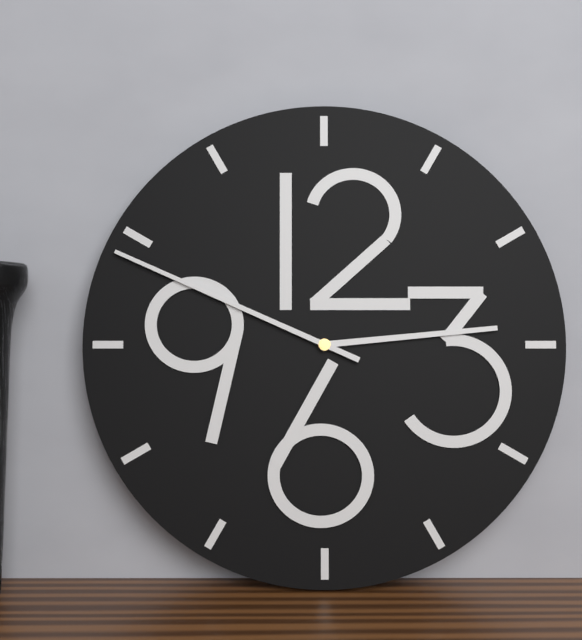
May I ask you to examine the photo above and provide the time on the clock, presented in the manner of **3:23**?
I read **2:49**
